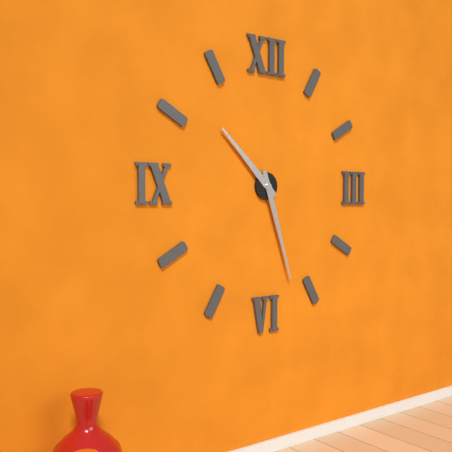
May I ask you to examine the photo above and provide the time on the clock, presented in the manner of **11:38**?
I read **10:27**
